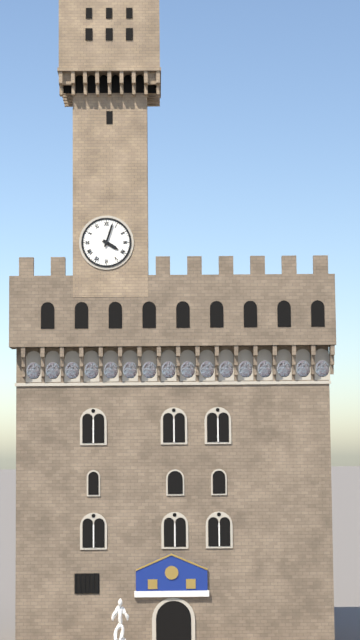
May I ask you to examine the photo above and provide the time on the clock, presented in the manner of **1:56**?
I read **4:03**
